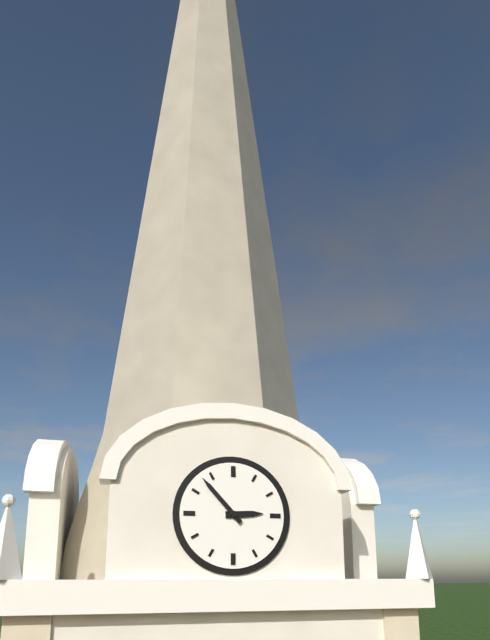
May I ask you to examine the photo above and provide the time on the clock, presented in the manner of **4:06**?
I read **2:53**
